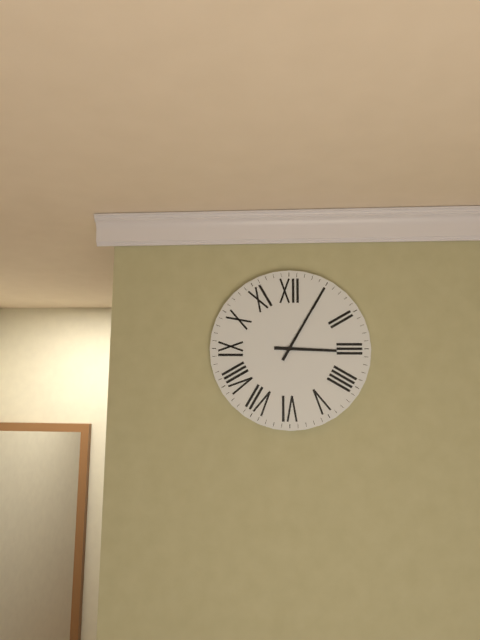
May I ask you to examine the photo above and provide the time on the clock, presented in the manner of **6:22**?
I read **3:05**
